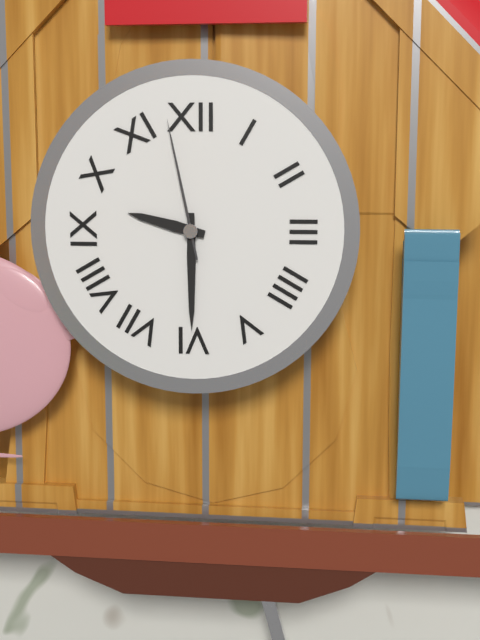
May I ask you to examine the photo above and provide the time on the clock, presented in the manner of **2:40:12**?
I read **9:30:58**
